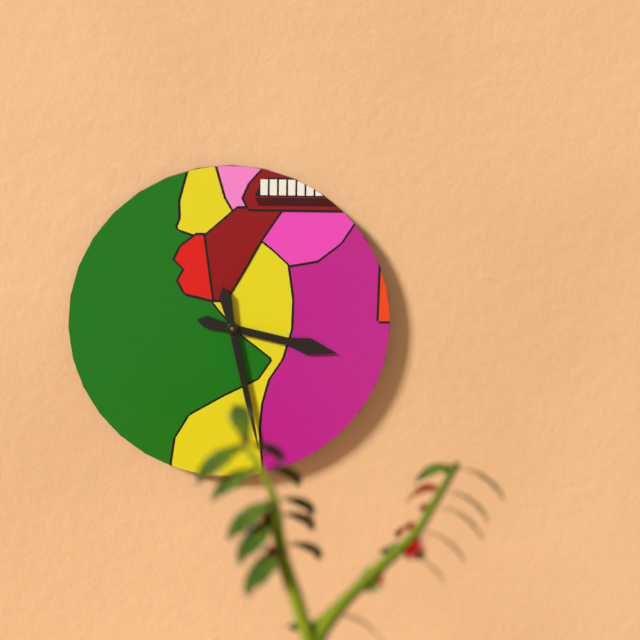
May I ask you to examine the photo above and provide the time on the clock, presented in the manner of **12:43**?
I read **3:28**
